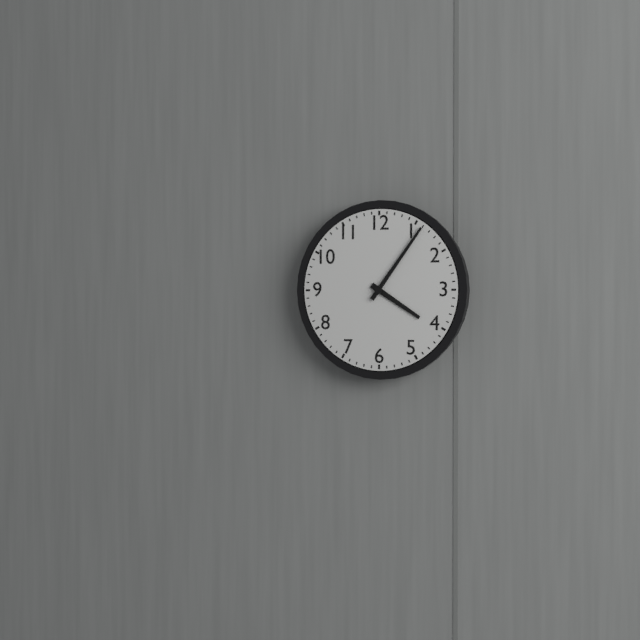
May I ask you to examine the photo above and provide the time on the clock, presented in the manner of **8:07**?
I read **4:06**
